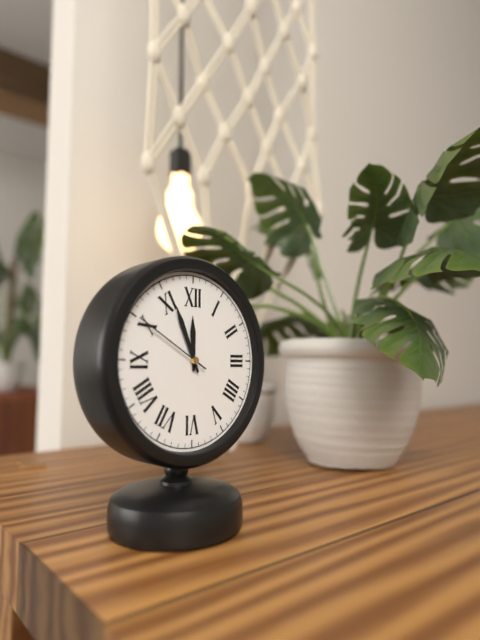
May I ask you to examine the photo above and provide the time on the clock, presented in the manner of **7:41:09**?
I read **11:56:50**
